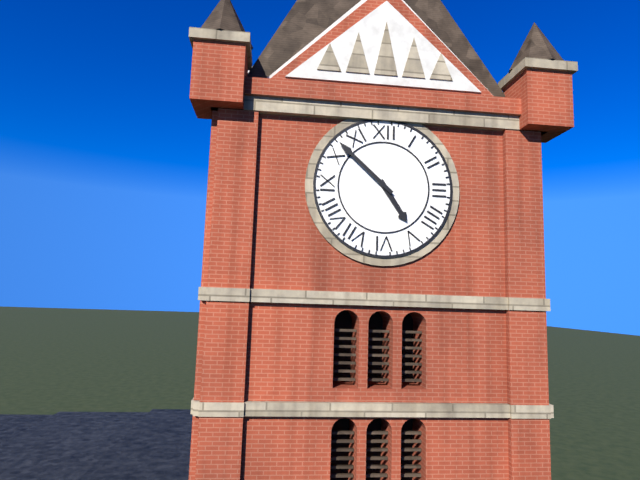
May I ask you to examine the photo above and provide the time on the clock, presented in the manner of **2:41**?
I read **4:52**
